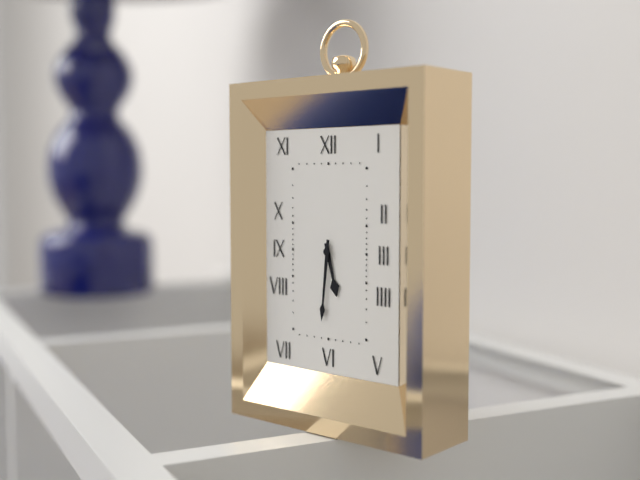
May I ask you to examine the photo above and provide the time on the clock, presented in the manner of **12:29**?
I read **5:31**
